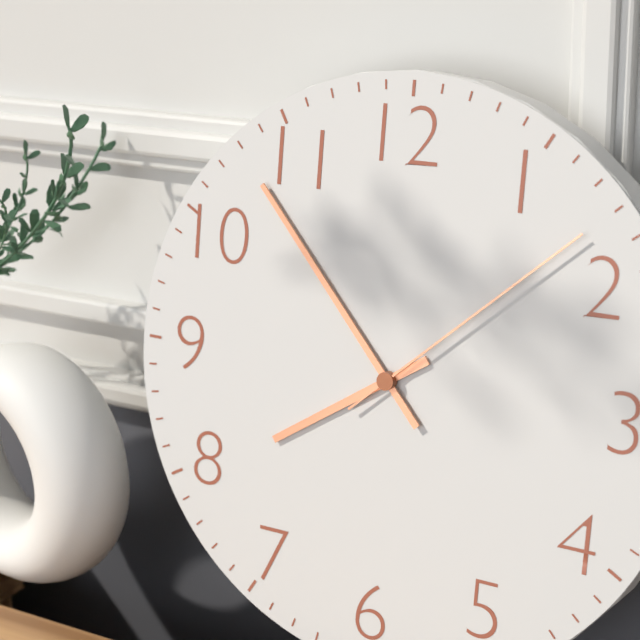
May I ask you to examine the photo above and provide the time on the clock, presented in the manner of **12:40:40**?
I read **7:53:08**
